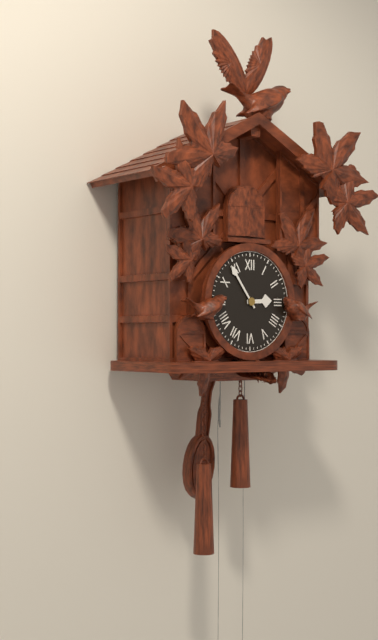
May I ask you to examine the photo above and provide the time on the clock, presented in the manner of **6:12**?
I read **2:54**
